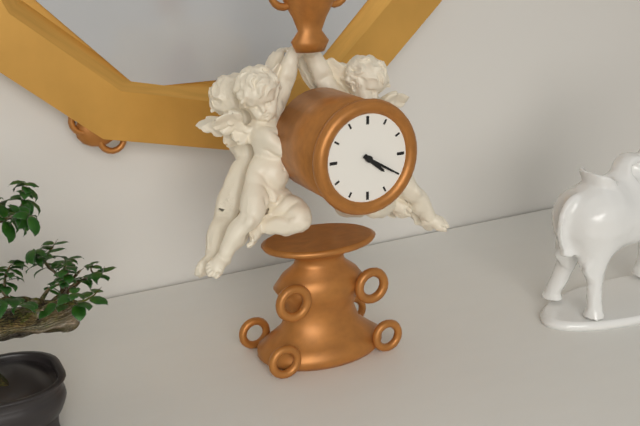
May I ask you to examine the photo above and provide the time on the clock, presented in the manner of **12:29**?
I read **4:20**
